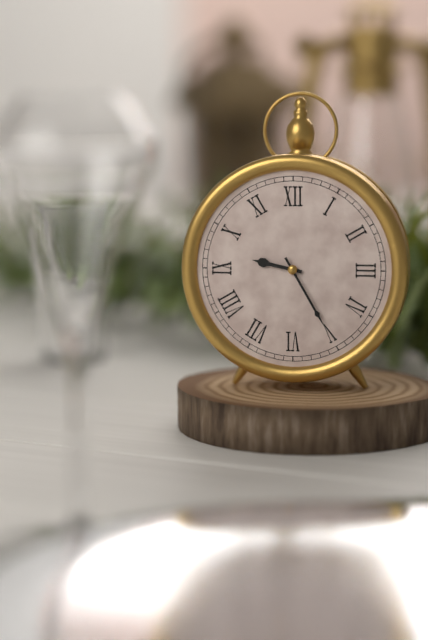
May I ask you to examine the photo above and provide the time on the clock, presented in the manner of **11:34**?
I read **9:25**
